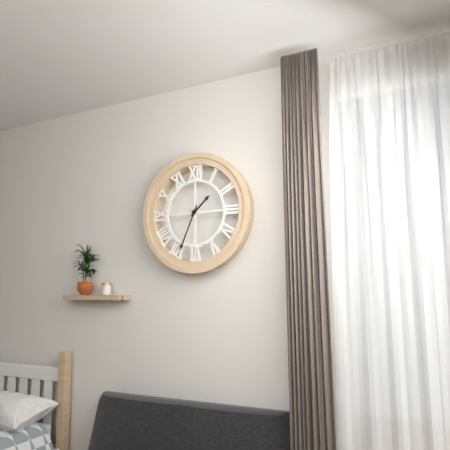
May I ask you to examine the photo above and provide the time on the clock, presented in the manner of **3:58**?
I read **1:34**
